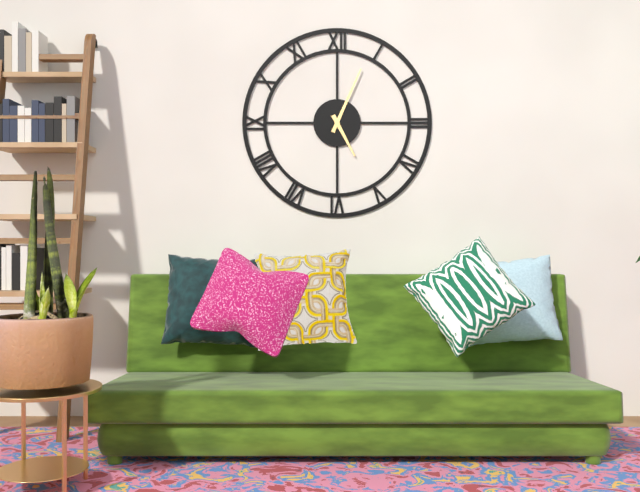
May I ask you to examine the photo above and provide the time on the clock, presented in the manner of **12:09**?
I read **5:04**
